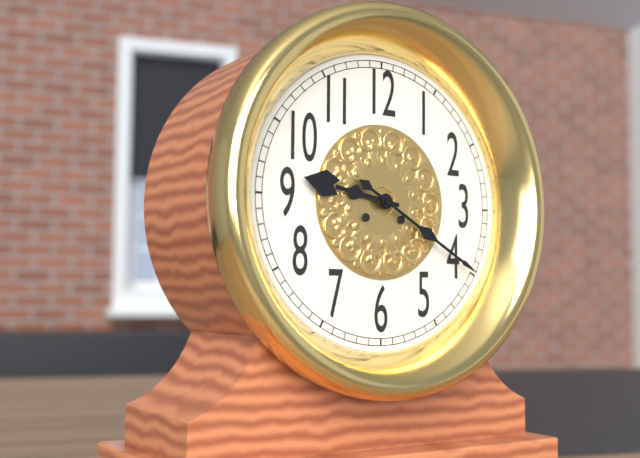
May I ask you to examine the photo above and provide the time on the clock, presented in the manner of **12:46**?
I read **9:20**
